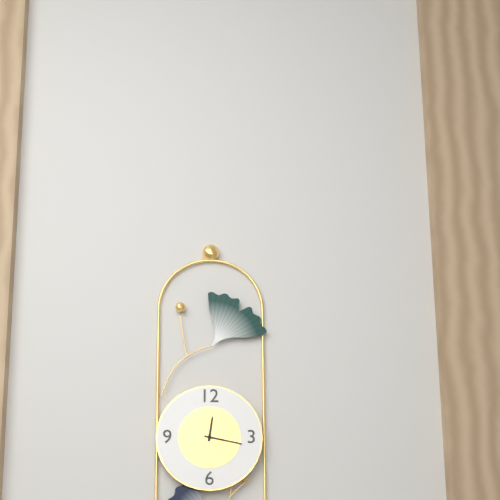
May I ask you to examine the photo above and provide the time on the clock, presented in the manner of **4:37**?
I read **12:17**
